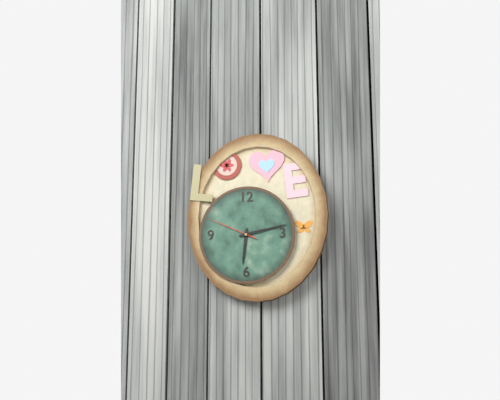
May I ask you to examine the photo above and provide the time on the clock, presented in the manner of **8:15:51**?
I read **6:13:49**
